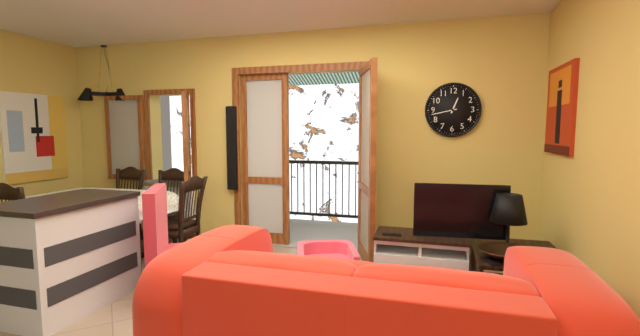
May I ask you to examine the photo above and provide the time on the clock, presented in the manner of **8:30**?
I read **12:43**
